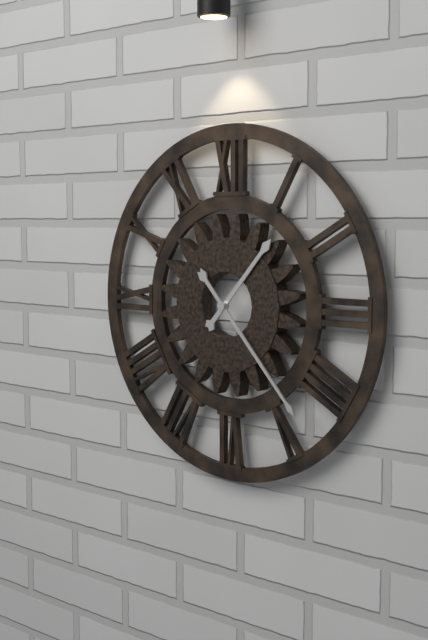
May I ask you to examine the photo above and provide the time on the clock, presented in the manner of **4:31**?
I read **1:23**
